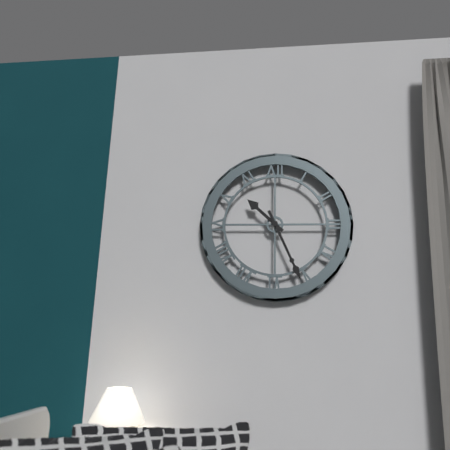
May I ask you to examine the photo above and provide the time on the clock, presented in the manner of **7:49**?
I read **10:26**
